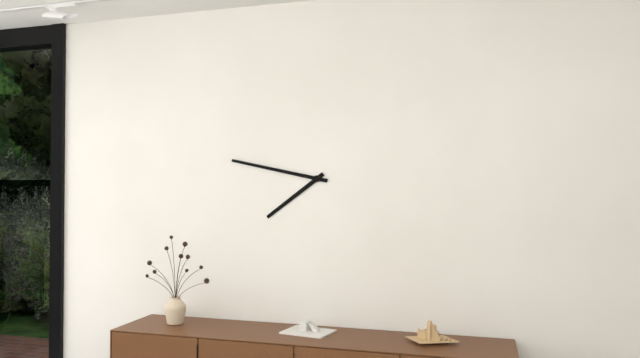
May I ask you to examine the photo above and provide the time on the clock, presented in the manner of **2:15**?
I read **7:47**
